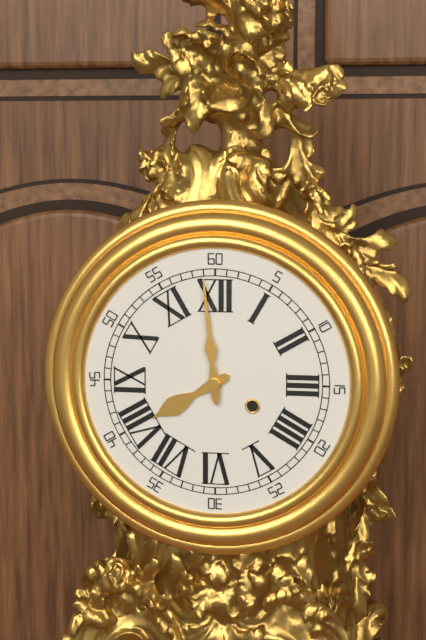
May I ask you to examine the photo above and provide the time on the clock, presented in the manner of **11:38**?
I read **7:59**
